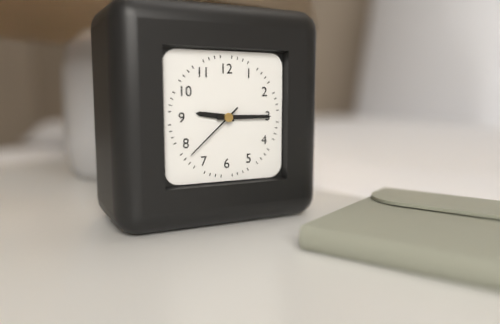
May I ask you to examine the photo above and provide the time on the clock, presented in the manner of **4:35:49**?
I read **9:15:38**
